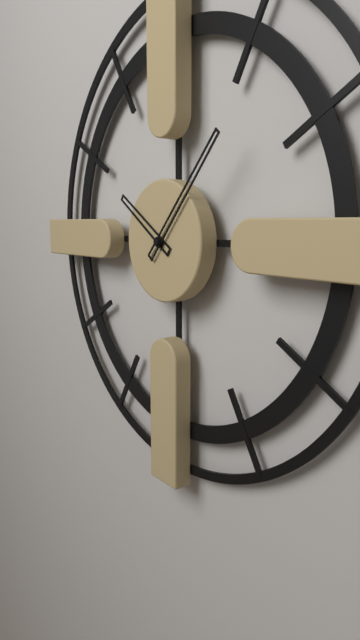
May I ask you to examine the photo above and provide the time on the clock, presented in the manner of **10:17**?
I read **10:07**
